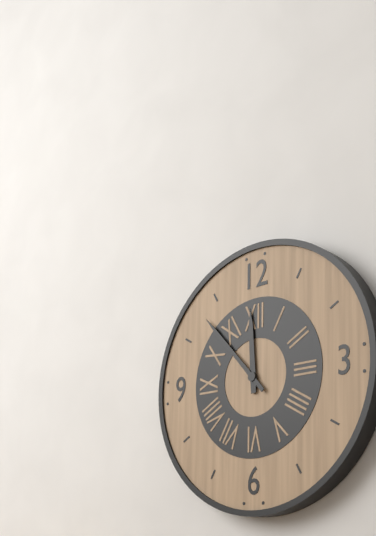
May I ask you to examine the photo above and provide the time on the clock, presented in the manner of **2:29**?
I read **11:53**
